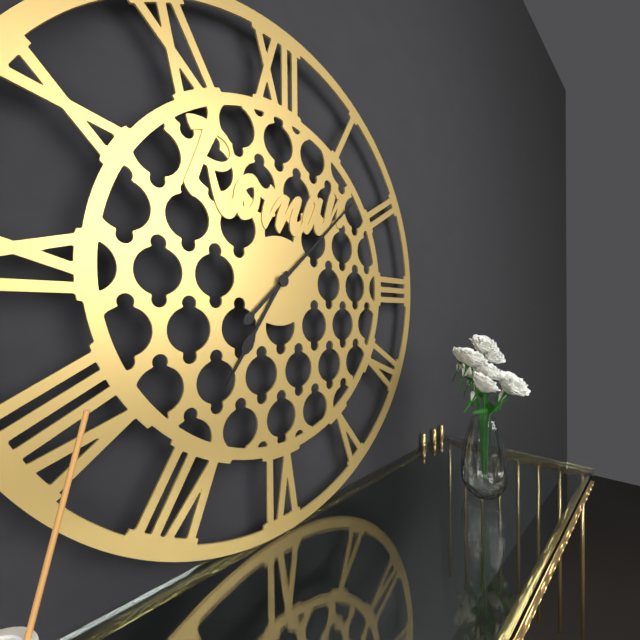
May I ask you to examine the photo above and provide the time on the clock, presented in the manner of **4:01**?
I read **7:08**
